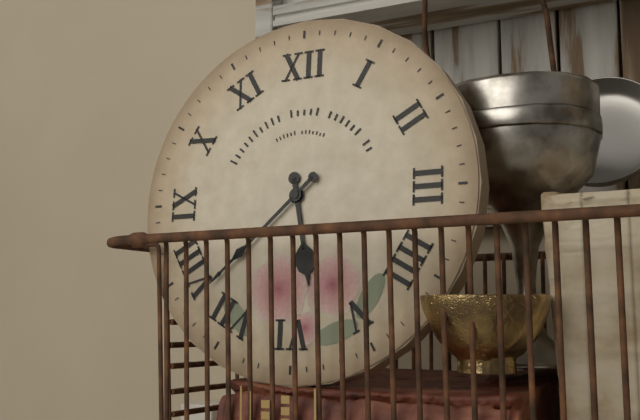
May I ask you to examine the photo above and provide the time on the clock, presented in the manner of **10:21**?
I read **5:38**
